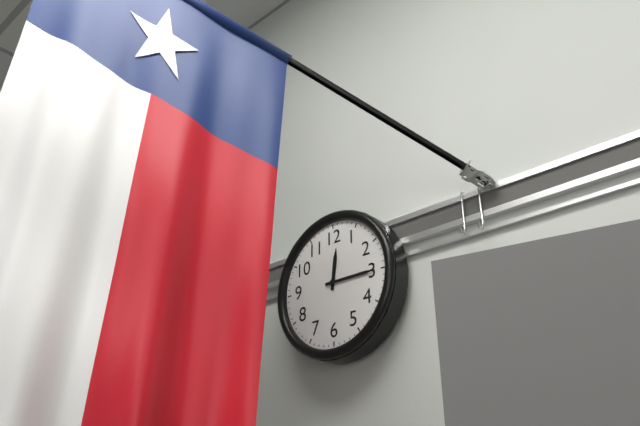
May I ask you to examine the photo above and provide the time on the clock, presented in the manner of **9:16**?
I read **12:15**
